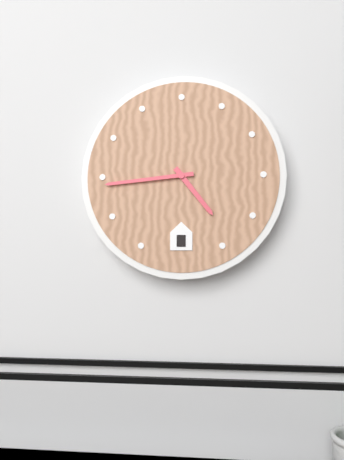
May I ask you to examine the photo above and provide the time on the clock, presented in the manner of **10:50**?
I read **4:44**
